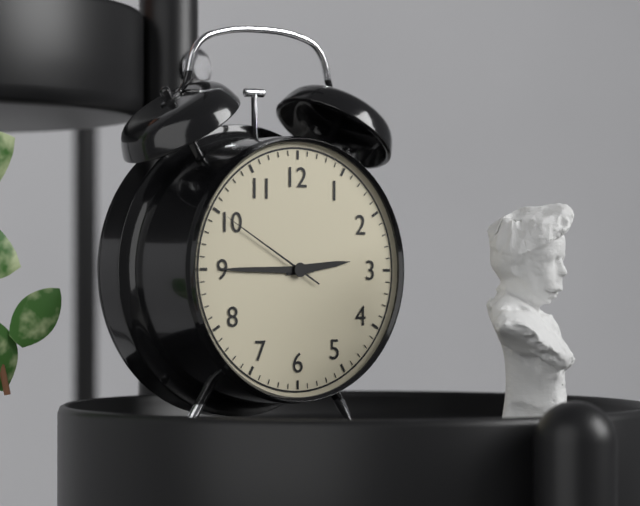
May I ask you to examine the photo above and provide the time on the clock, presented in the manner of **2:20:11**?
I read **2:45:50**
